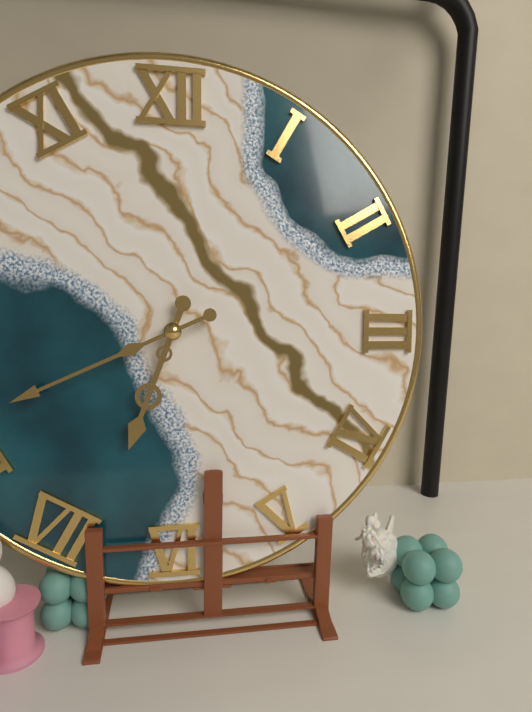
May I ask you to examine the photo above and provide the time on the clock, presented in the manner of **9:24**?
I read **6:41**
